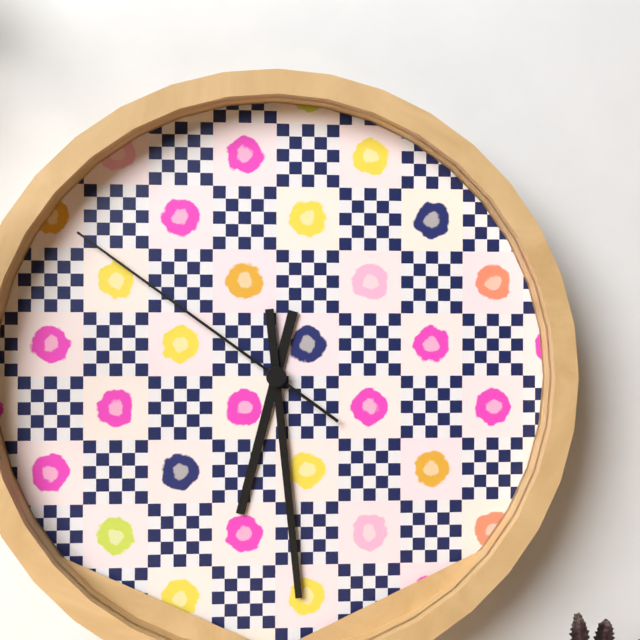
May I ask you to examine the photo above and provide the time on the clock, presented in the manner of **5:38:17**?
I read **6:29:51**
